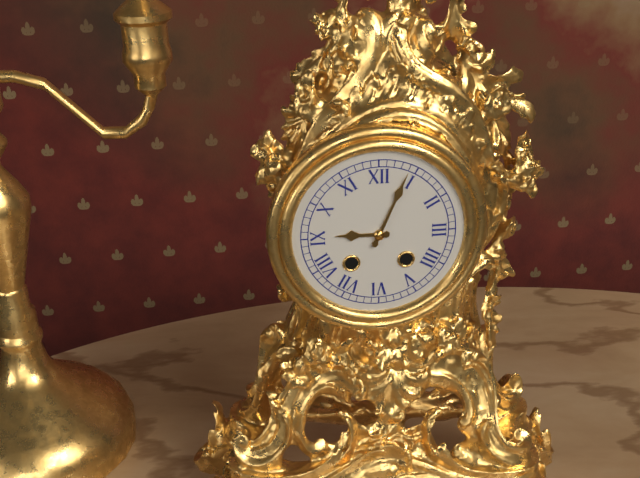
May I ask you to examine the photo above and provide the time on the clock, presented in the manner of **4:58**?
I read **9:04**
